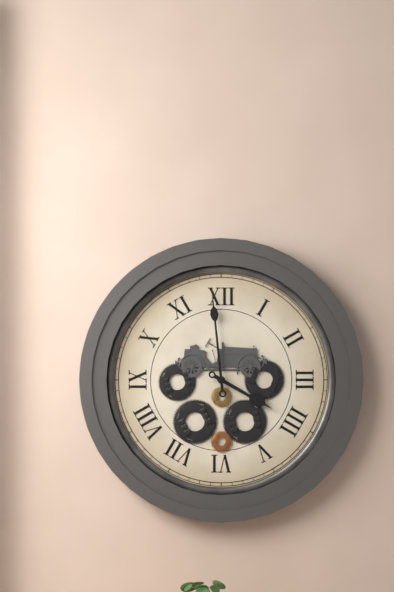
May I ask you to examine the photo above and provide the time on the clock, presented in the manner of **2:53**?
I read **3:59**
